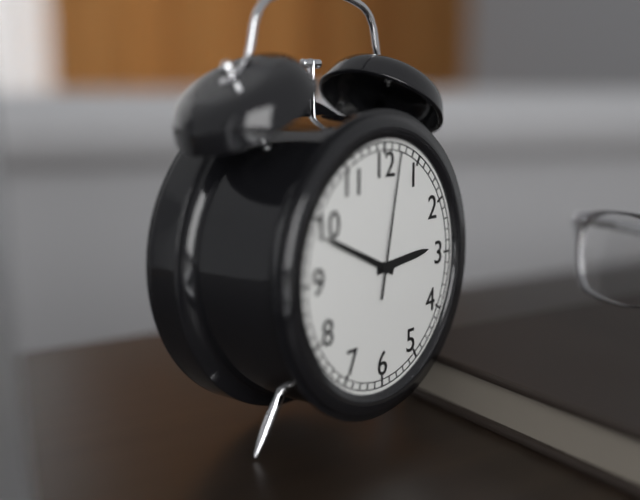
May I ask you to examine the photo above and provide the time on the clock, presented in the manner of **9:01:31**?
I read **2:49:02**
